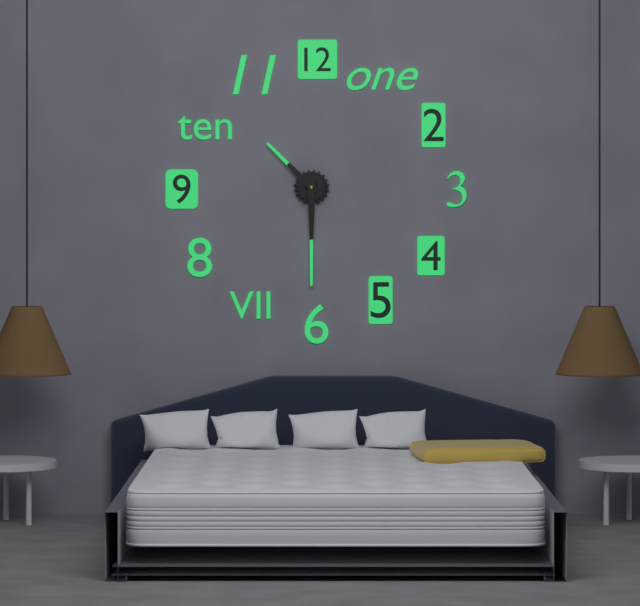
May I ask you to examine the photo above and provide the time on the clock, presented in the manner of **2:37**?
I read **10:30**
